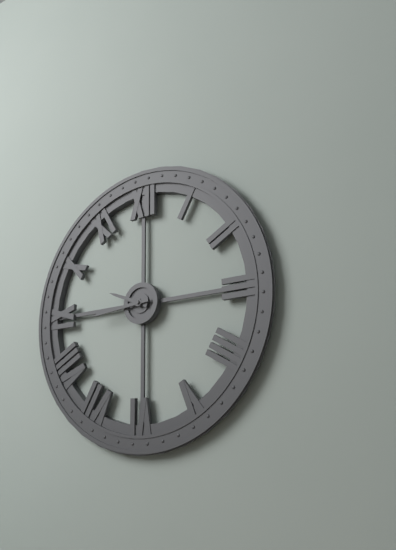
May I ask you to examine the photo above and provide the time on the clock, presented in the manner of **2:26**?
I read **9:44**
